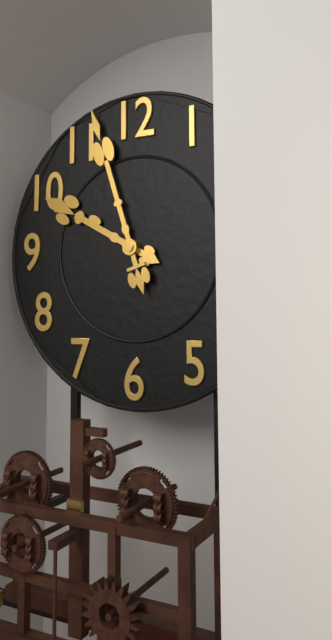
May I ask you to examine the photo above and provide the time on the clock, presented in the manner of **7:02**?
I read **9:57**
